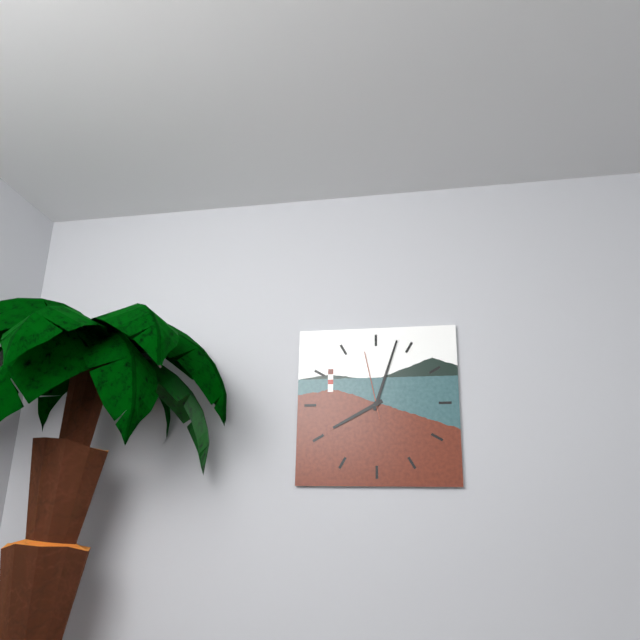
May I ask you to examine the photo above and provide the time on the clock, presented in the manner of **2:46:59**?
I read **8:03:58**
